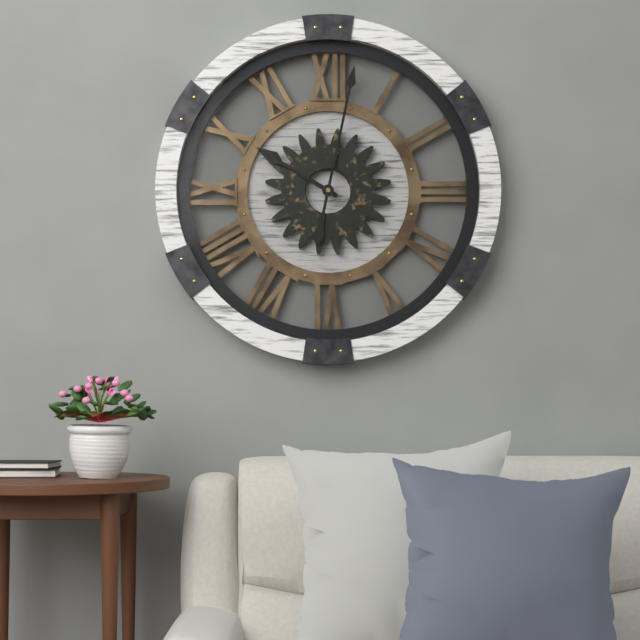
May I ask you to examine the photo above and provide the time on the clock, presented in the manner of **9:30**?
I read **10:02**
